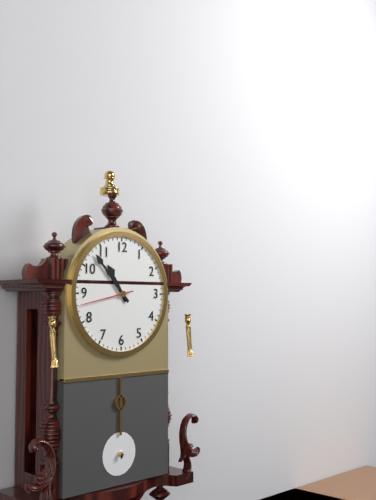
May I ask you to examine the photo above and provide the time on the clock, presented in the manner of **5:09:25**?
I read **10:53:43**
